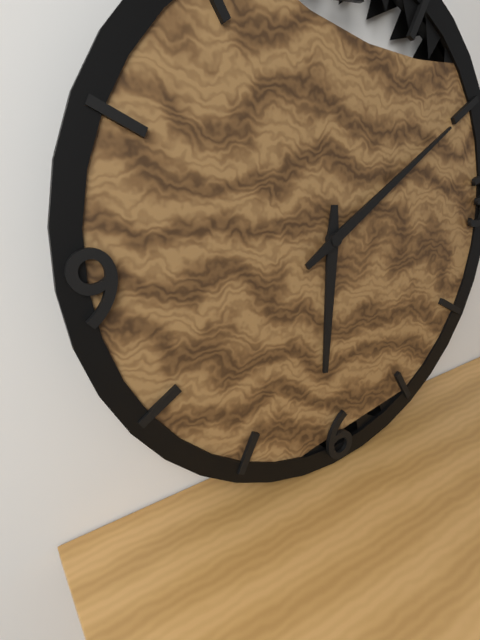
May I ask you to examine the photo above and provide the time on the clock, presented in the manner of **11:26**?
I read **6:10**
